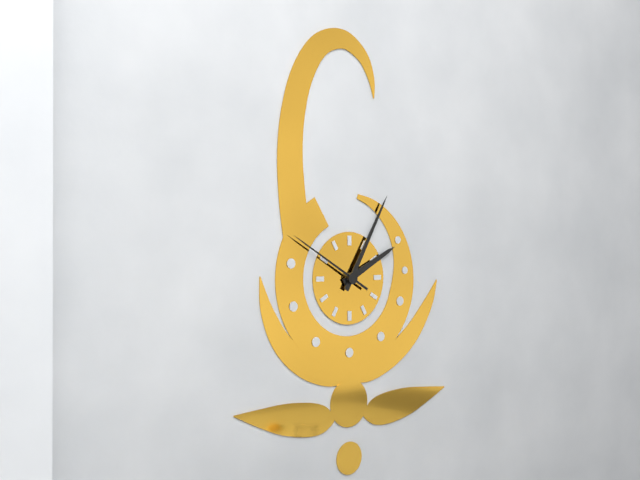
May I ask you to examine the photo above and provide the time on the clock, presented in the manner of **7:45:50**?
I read **2:05:50**
